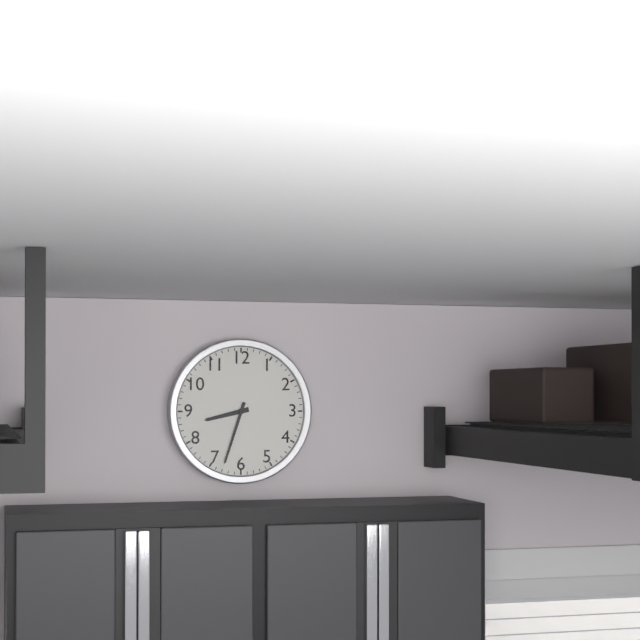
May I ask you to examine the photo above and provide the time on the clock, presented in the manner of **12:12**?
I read **8:33**
